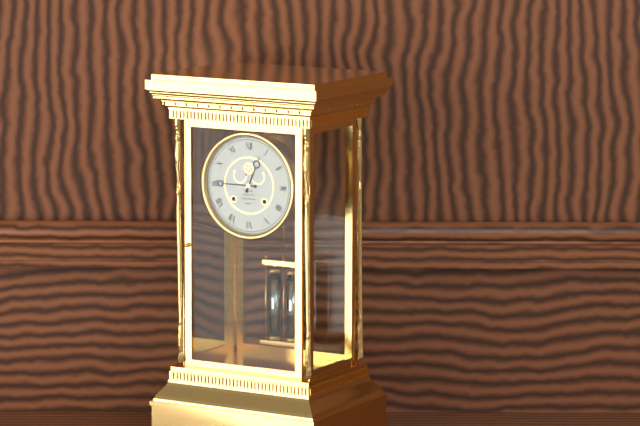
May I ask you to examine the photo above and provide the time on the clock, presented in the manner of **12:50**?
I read **12:45**
